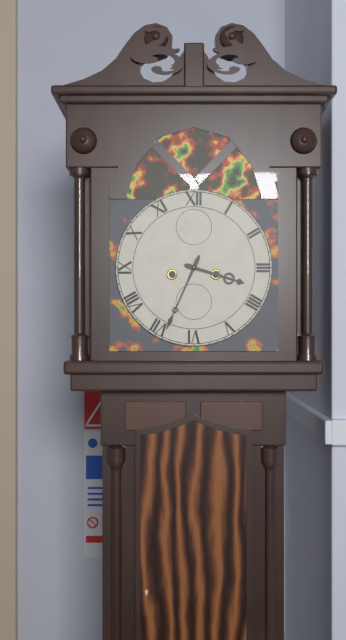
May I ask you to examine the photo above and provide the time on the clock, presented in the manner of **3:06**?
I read **3:34**
